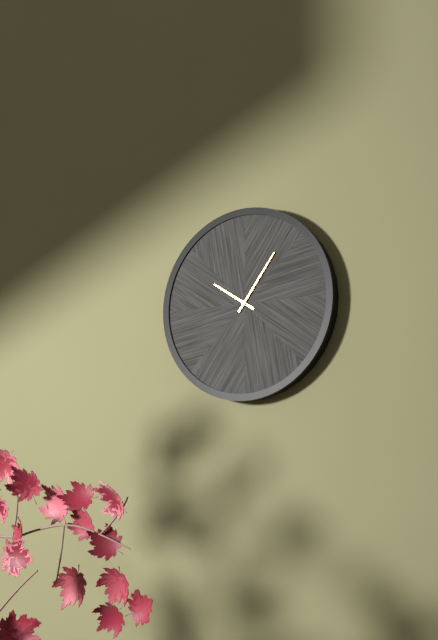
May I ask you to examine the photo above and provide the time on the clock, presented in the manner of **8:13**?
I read **10:06**
